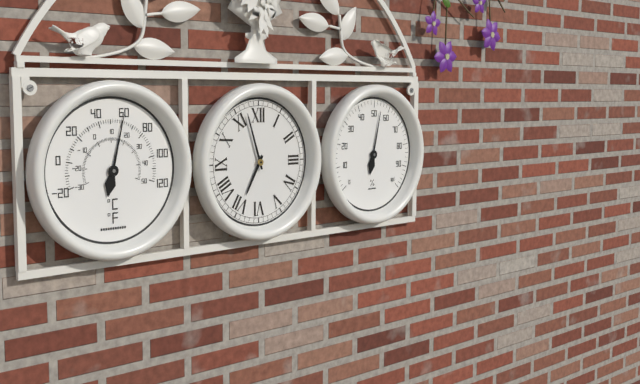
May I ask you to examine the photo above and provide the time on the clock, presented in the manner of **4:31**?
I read **6:57**
